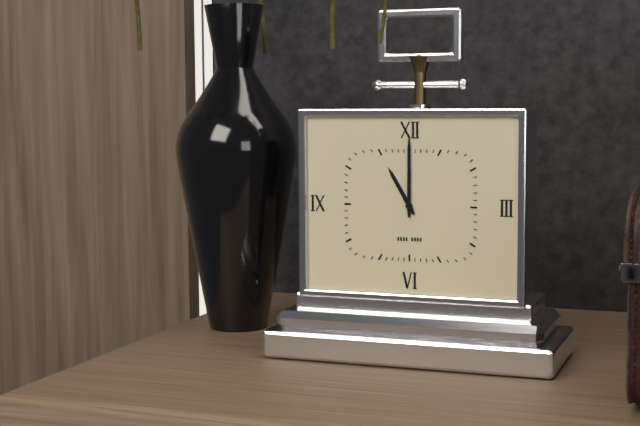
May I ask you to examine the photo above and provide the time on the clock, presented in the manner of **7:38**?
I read **11:00**
